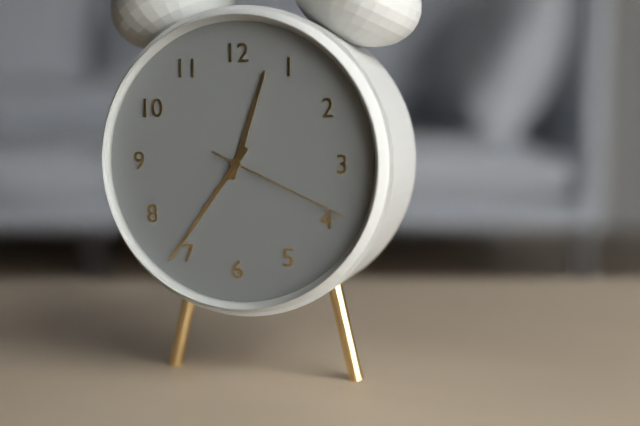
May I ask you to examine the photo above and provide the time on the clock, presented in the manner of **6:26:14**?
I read **12:36:19**
